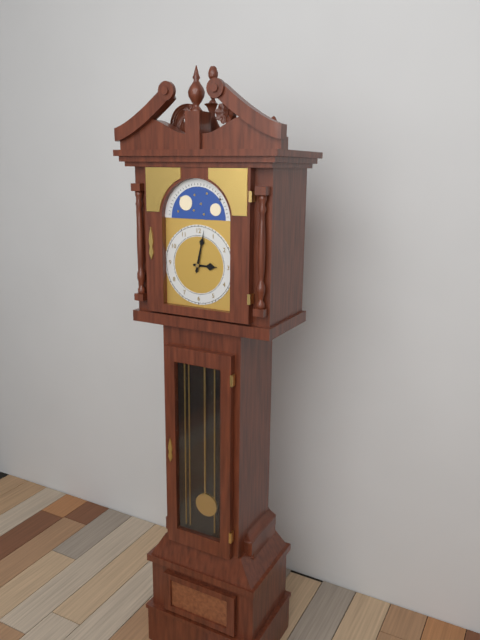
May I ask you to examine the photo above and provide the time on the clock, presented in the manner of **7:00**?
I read **3:02**
